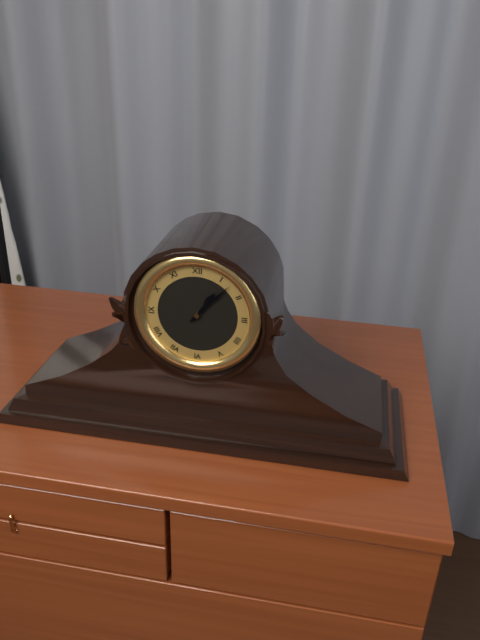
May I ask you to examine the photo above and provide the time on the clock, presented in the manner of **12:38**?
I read **1:07**
